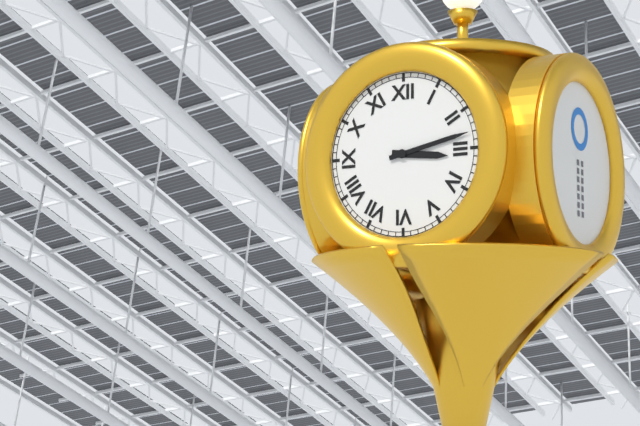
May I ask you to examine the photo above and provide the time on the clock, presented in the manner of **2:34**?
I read **3:13**
